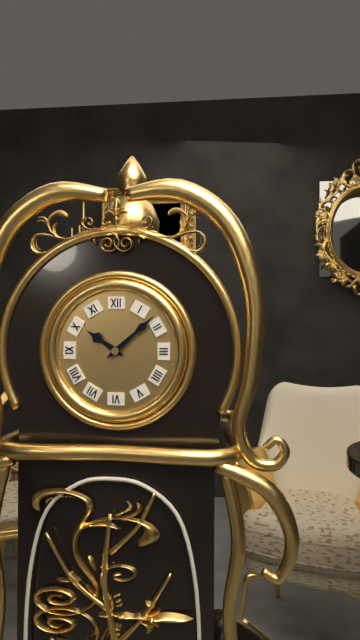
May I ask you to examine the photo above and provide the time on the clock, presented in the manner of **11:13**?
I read **10:08**
